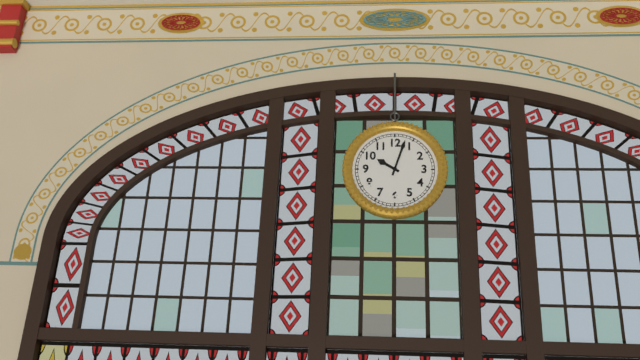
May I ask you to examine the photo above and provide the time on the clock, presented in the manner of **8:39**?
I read **10:03**
